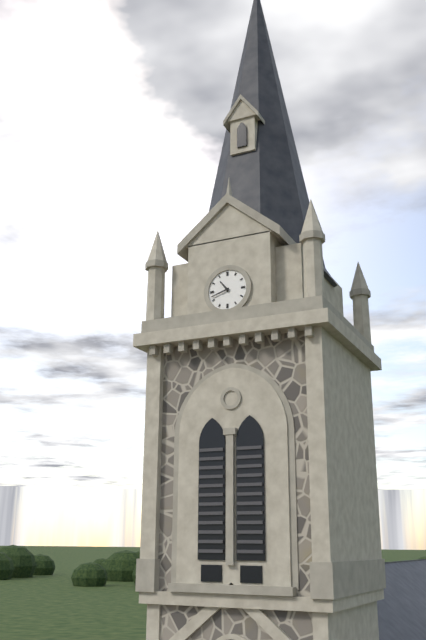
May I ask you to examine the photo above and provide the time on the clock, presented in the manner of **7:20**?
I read **10:42**
